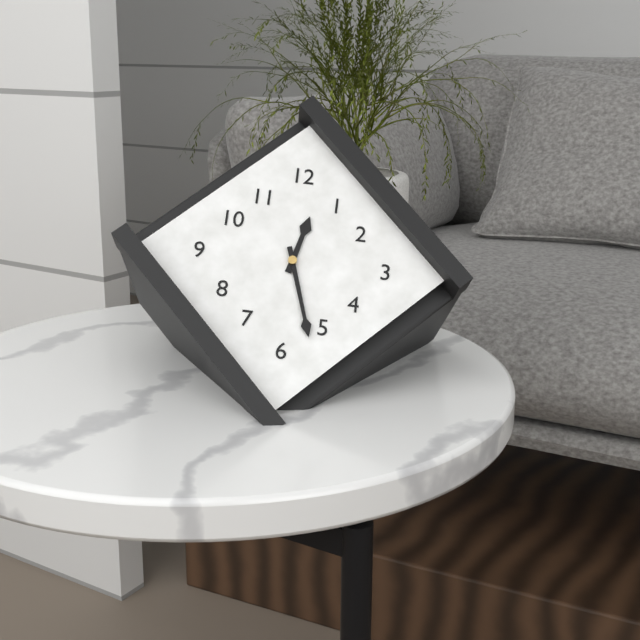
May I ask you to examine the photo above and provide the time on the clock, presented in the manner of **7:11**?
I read **12:27**
